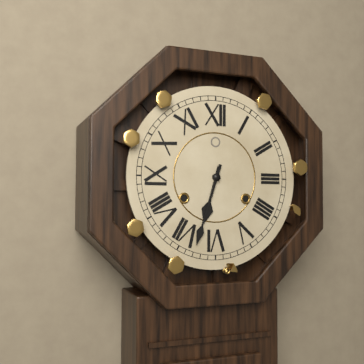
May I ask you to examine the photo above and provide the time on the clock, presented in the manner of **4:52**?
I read **6:33**
